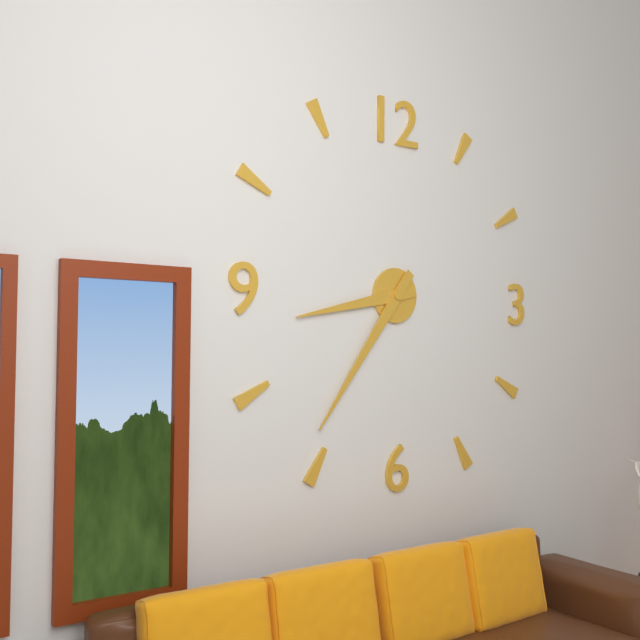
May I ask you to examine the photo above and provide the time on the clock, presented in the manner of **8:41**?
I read **8:36**
